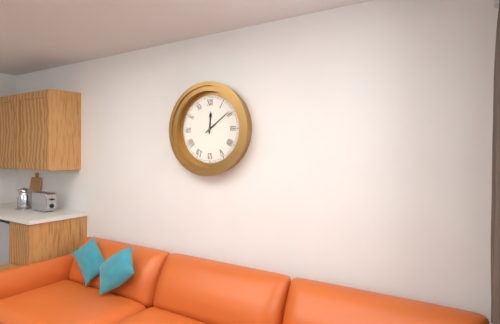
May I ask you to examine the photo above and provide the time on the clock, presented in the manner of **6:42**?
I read **12:09**
